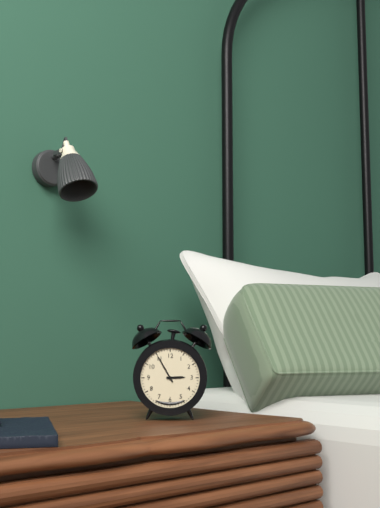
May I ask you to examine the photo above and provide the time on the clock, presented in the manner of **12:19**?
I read **2:55**
